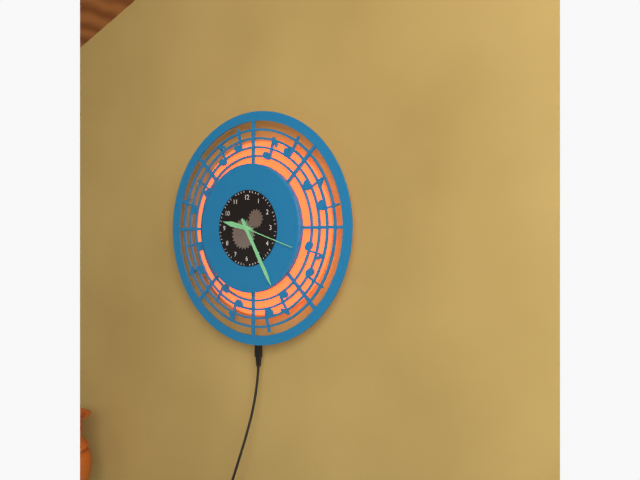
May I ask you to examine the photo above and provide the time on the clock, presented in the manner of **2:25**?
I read **9:25**
